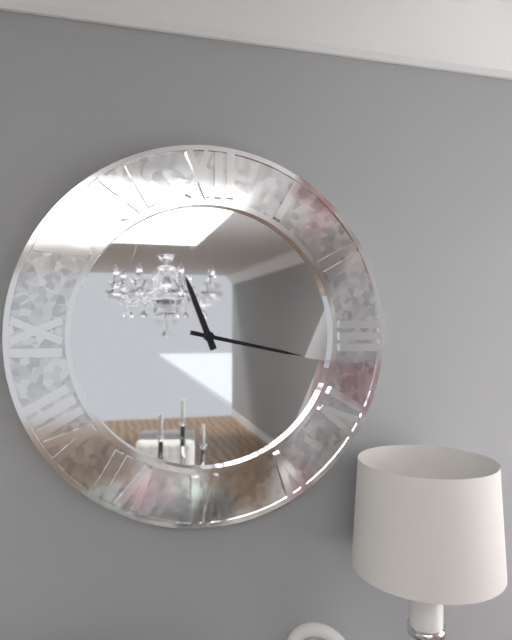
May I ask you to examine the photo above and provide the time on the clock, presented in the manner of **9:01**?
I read **11:17**
